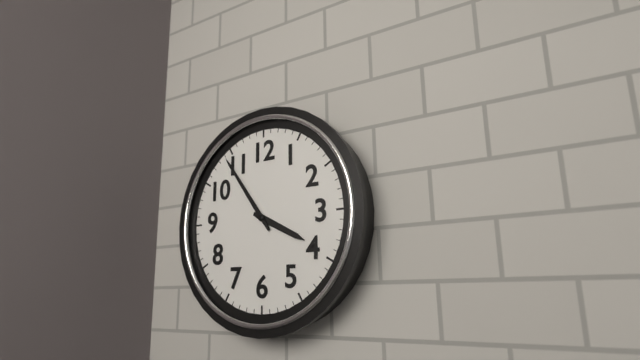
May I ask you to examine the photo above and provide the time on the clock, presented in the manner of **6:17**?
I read **3:54**
